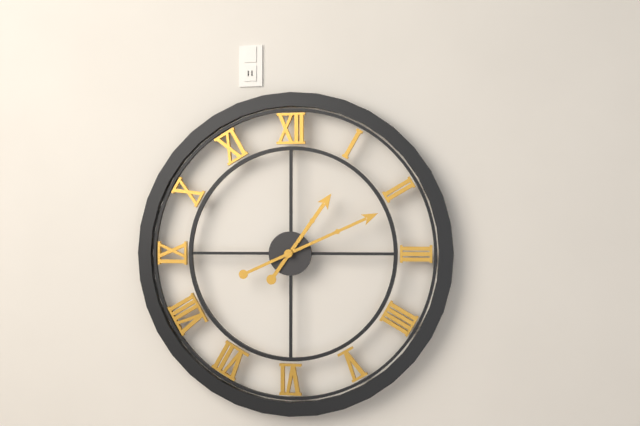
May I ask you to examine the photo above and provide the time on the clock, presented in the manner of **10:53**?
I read **1:11**
